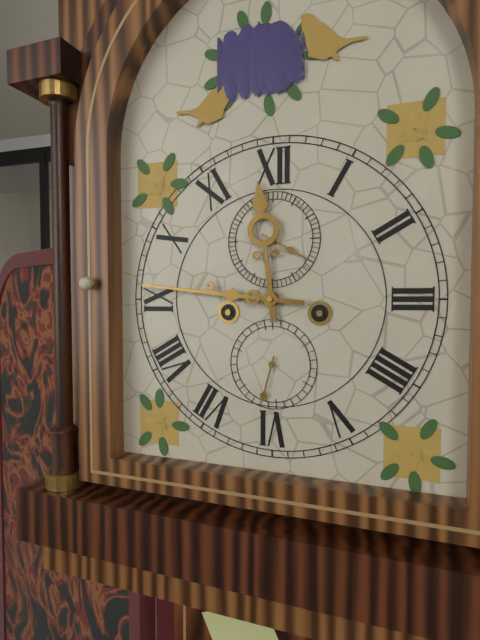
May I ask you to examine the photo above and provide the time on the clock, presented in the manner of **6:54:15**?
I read **11:46:20**
